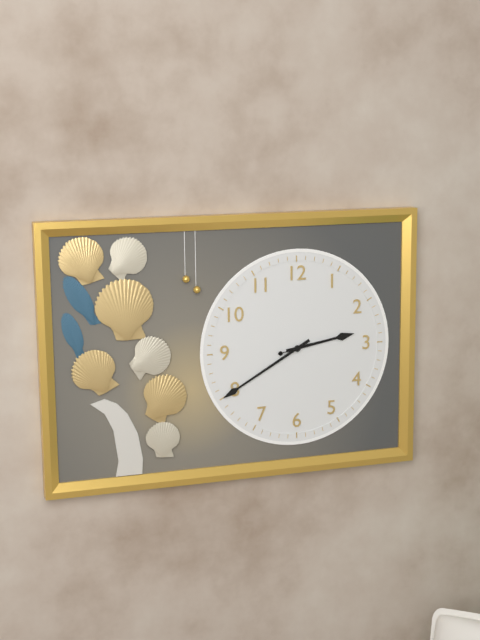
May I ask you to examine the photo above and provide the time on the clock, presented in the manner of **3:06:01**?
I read **2:40:13**
